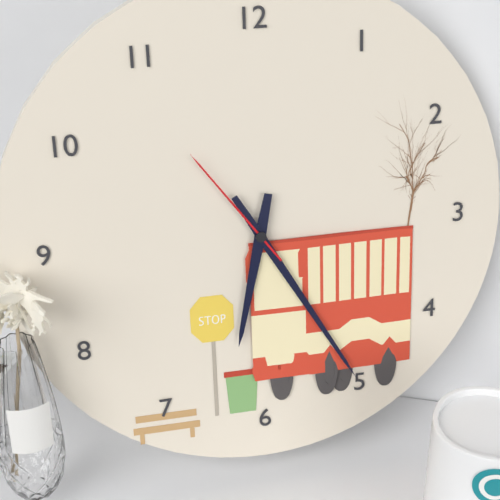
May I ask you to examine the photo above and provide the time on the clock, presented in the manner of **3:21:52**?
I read **6:25:54**
